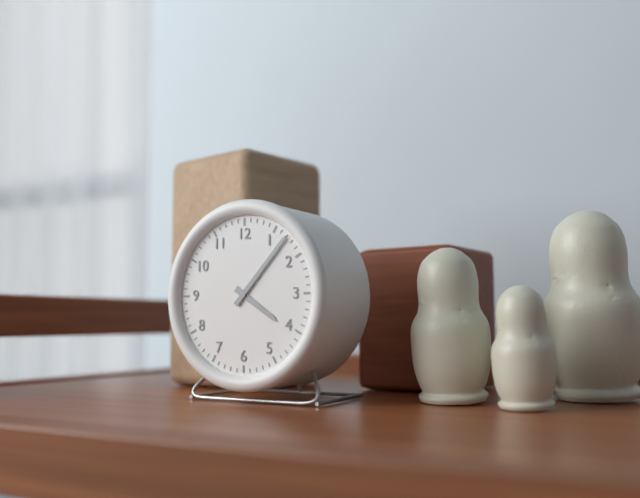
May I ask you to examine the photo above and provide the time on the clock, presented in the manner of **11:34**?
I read **4:07**
